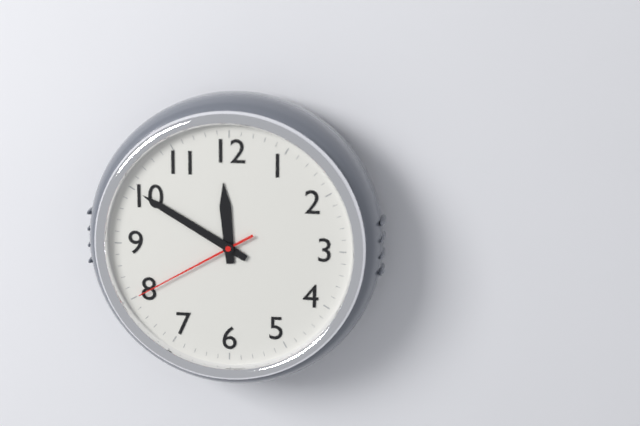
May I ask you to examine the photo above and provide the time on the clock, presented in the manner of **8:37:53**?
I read **11:50:40**
